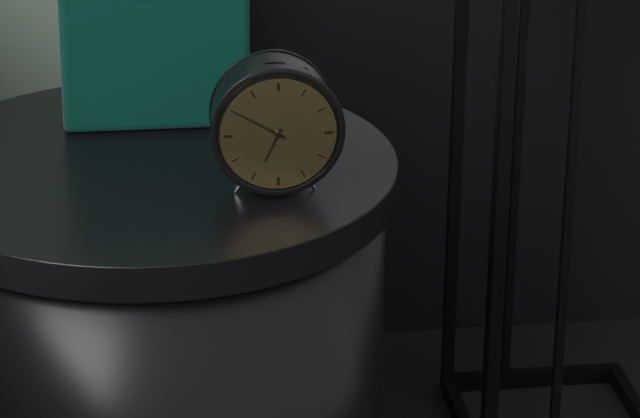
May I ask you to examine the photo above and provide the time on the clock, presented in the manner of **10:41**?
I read **6:50**
